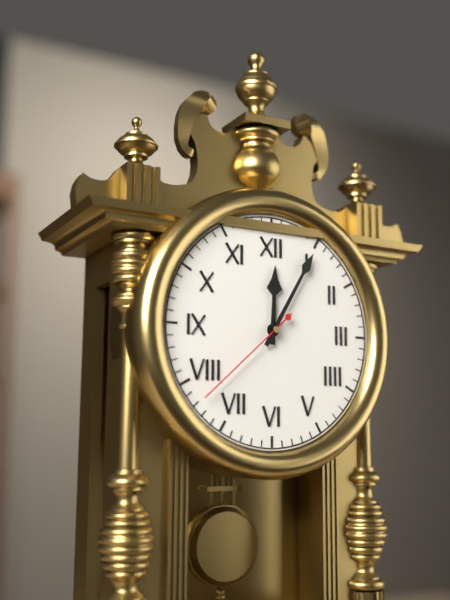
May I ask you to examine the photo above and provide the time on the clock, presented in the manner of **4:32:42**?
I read **12:05:38**
